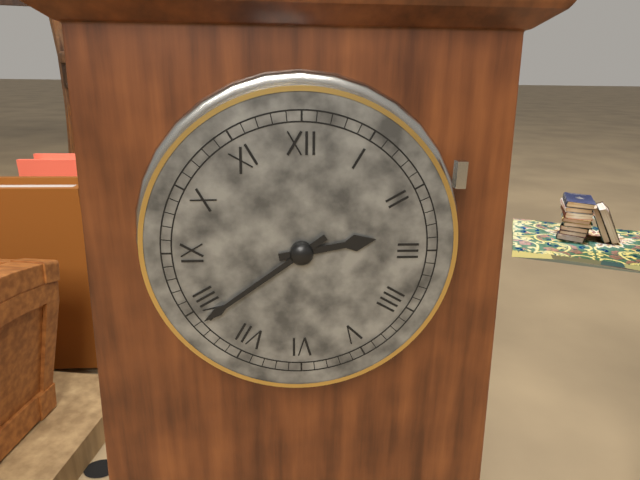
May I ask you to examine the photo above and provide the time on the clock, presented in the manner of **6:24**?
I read **2:39**
